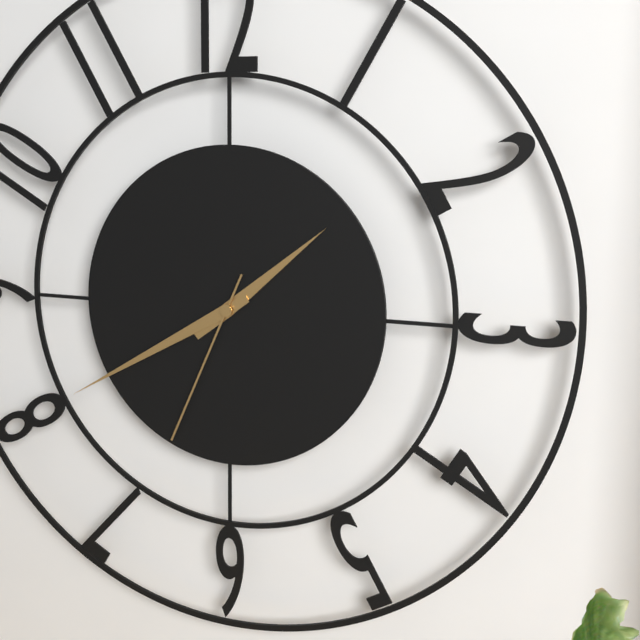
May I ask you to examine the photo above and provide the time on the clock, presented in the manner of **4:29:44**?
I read **1:40:34**
